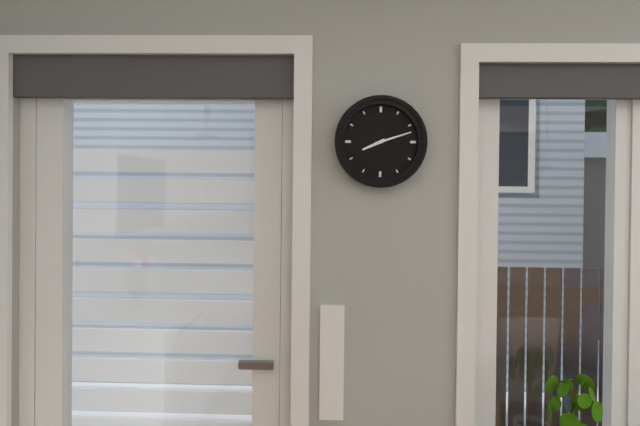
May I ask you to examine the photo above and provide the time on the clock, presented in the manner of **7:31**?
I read **8:12**
